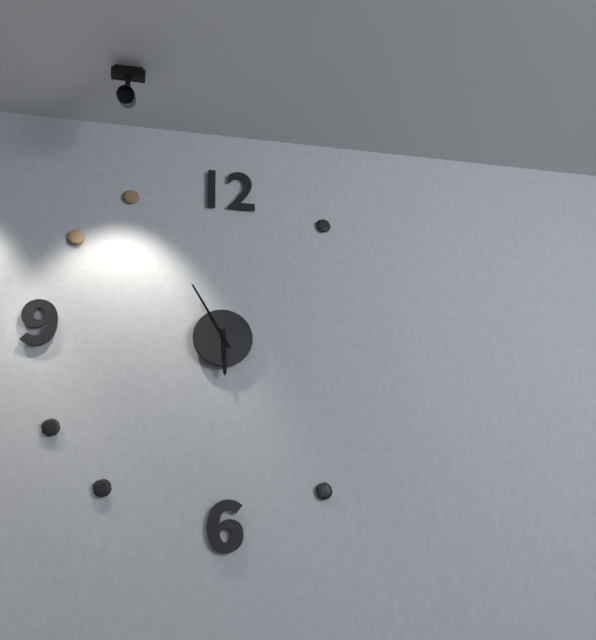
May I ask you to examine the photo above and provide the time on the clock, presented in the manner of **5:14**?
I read **5:55**
